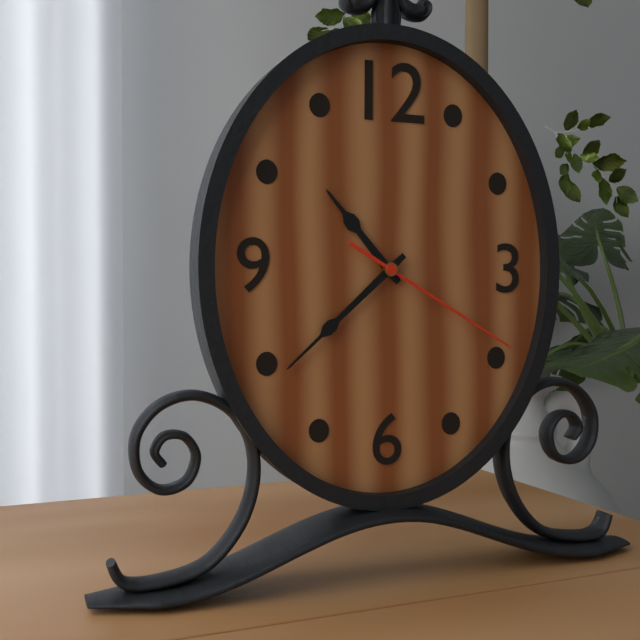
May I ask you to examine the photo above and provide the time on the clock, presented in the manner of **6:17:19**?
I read **10:38:20**
